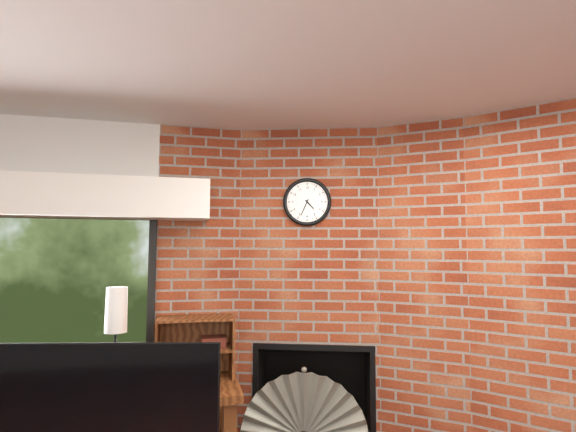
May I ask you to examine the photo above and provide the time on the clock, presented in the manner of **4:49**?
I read **4:34**
